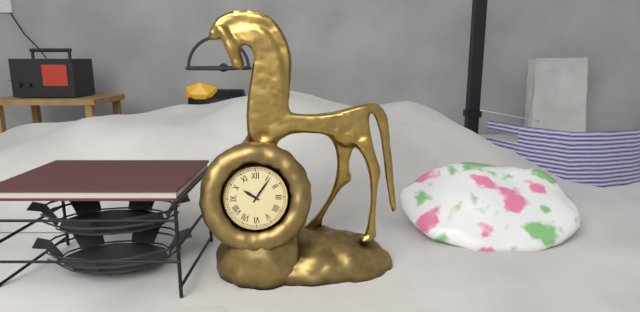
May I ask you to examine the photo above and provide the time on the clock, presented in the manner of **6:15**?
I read **10:06**
